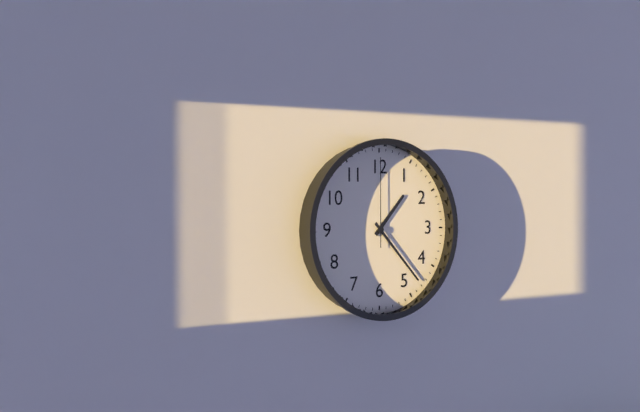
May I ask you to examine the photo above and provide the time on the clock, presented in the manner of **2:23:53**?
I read **1:23:00**
